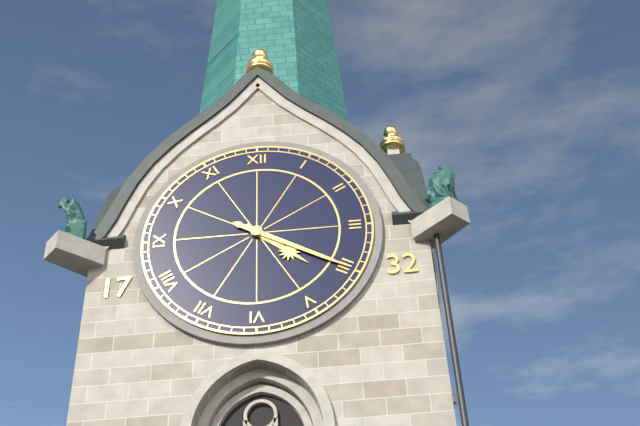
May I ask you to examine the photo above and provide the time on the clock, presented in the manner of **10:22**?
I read **4:20**
